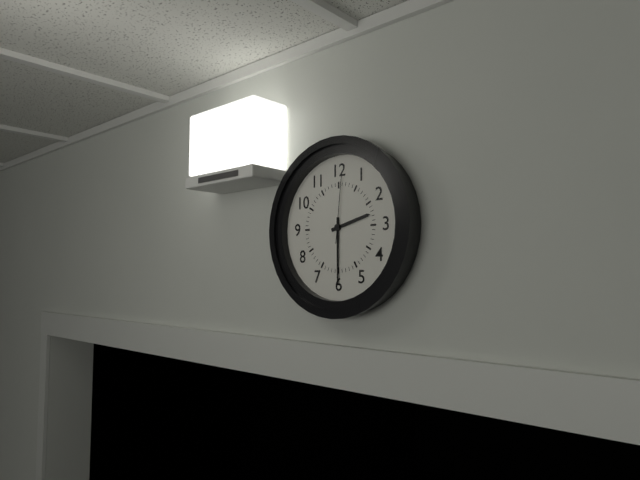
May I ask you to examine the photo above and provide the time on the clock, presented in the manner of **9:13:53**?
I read **2:30:01**
